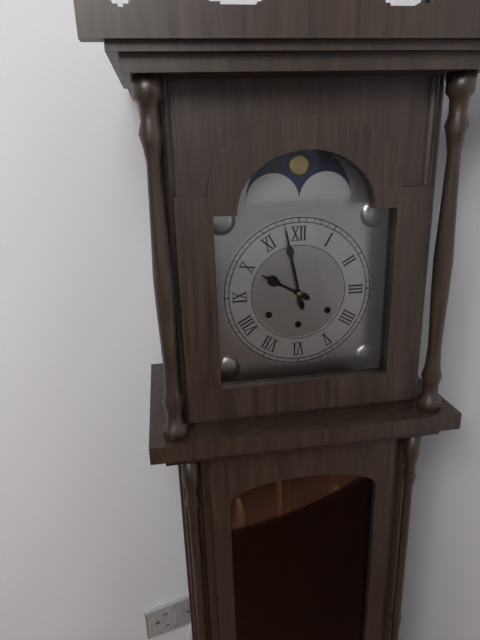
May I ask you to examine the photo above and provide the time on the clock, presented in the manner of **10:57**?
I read **9:58**
